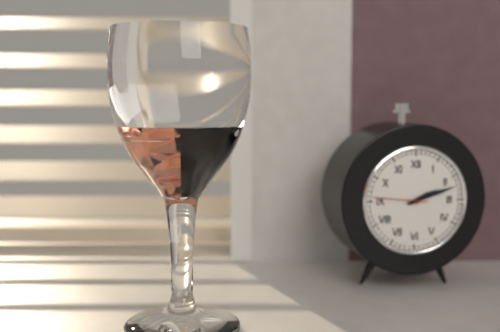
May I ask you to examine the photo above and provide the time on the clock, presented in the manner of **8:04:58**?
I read **2:12:46**
